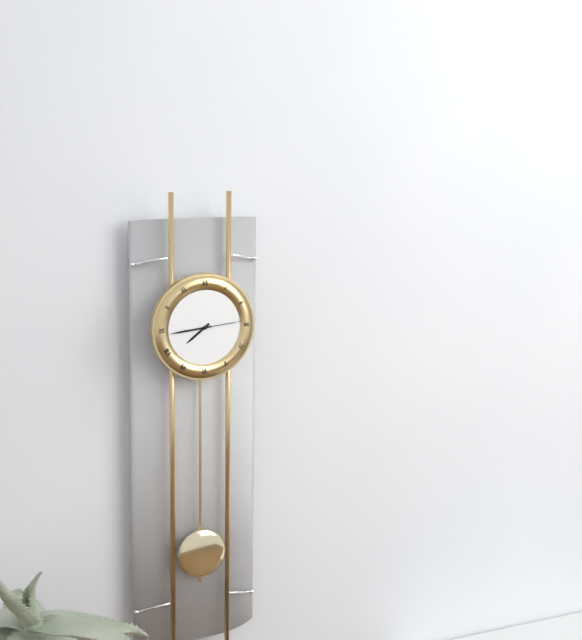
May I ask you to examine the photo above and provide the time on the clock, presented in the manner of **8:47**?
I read **7:44**
